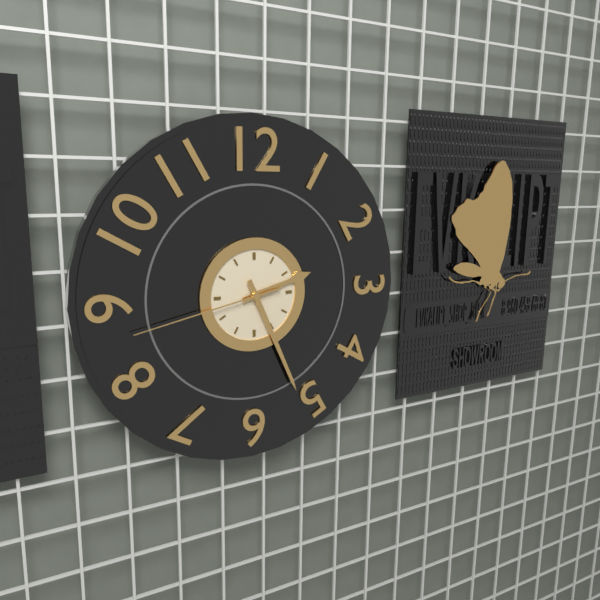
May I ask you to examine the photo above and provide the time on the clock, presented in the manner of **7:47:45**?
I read **2:26:43**
